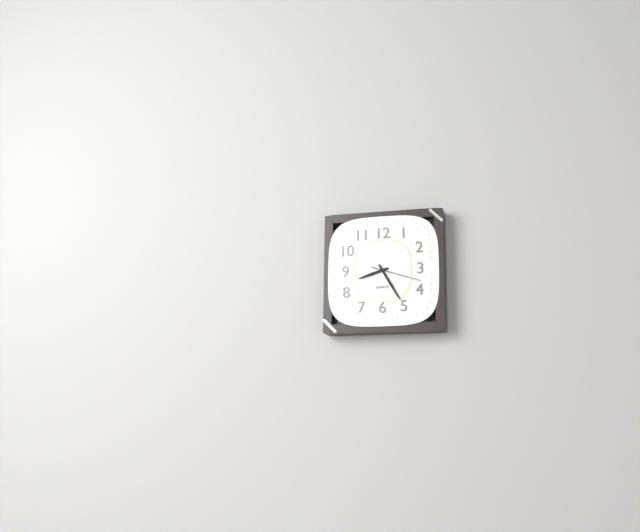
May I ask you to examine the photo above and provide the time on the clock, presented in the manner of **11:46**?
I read **8:25**
